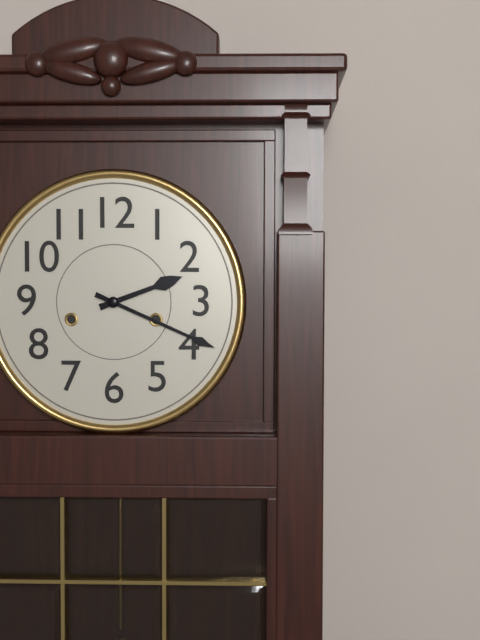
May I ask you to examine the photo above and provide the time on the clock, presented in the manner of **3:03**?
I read **2:19**
